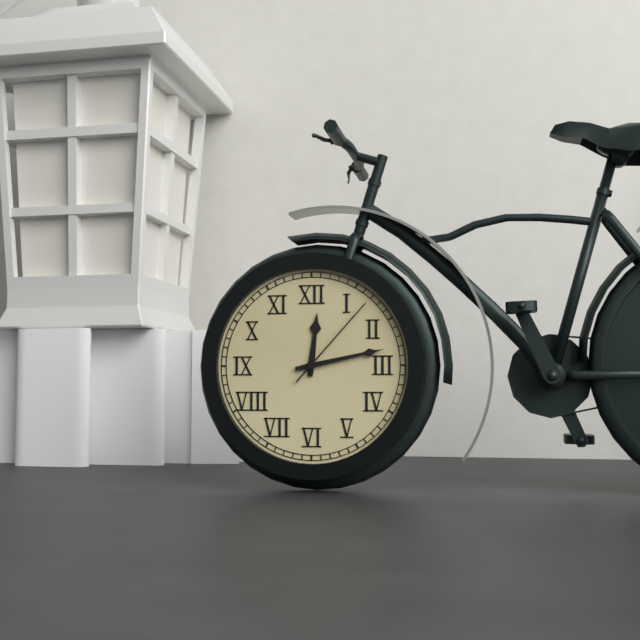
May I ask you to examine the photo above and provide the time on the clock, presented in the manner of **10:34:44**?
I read **12:13:07**
